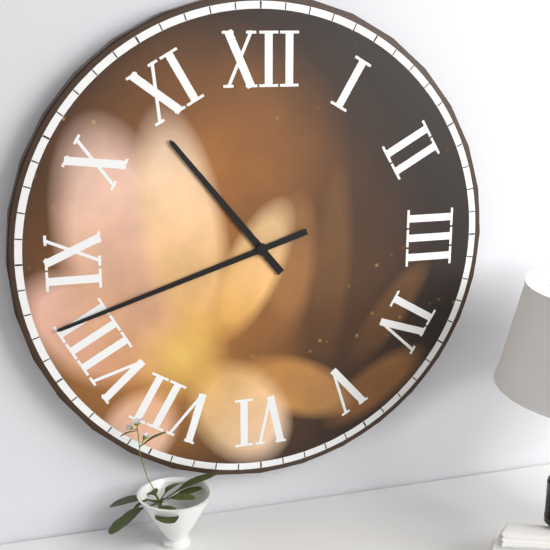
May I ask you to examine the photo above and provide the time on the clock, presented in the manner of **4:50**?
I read **10:42**
